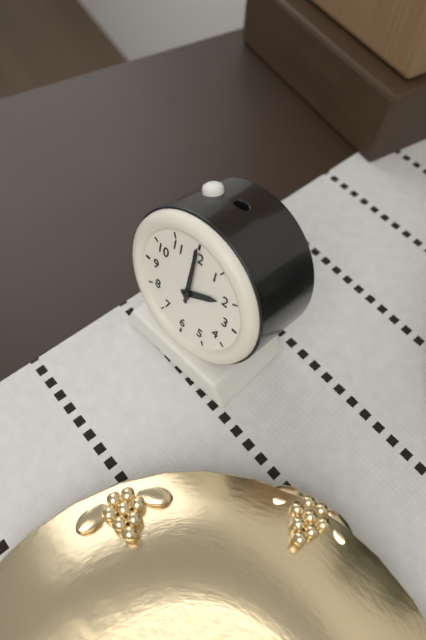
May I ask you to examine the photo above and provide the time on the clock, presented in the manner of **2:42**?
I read **2:00**
